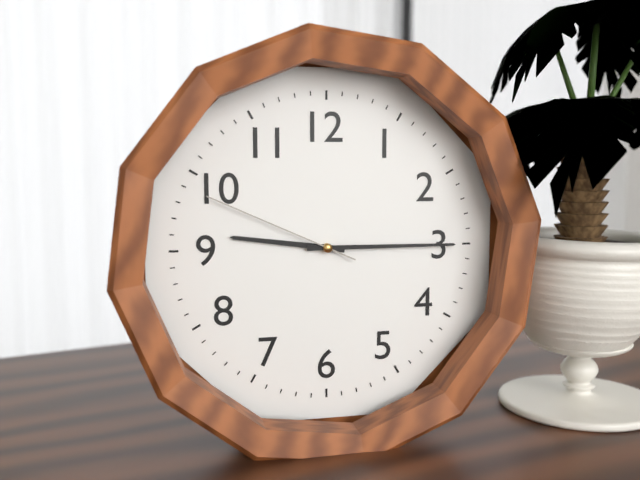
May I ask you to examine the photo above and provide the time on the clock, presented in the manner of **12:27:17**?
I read **9:15:49**
